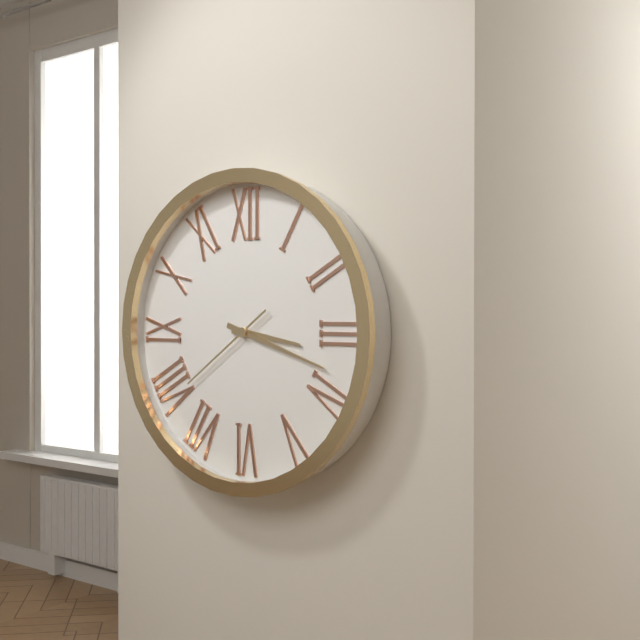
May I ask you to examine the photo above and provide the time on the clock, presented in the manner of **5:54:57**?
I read **3:18:39**
